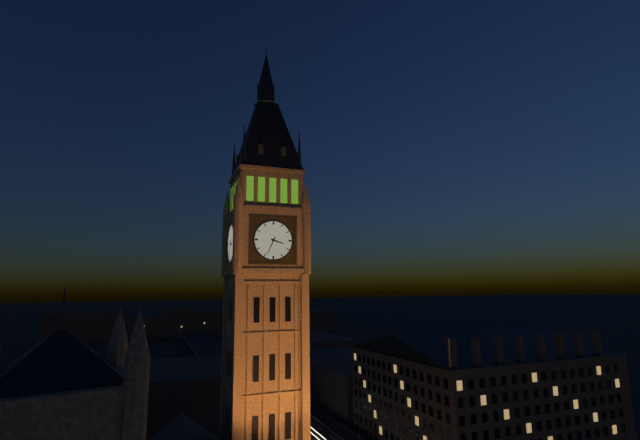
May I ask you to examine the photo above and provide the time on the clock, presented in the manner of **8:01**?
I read **3:34**
